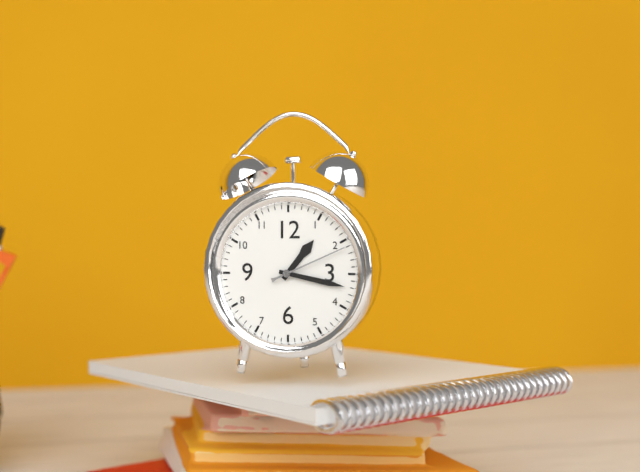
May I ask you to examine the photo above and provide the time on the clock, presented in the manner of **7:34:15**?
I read **1:17:11**
